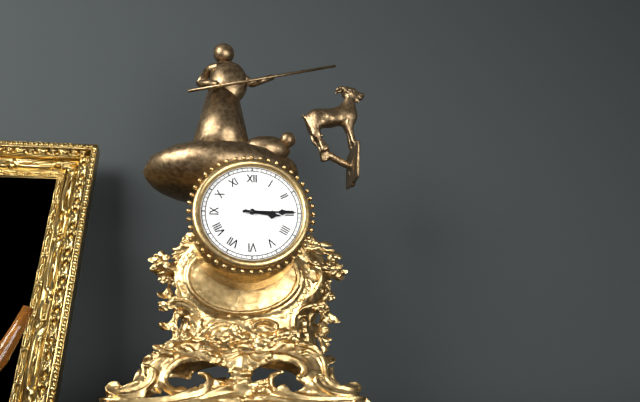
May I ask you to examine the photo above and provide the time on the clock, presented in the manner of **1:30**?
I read **3:15**
